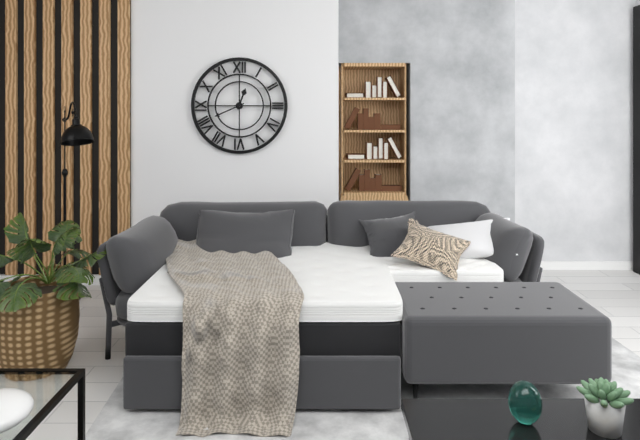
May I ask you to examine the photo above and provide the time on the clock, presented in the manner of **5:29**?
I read **12:41**
